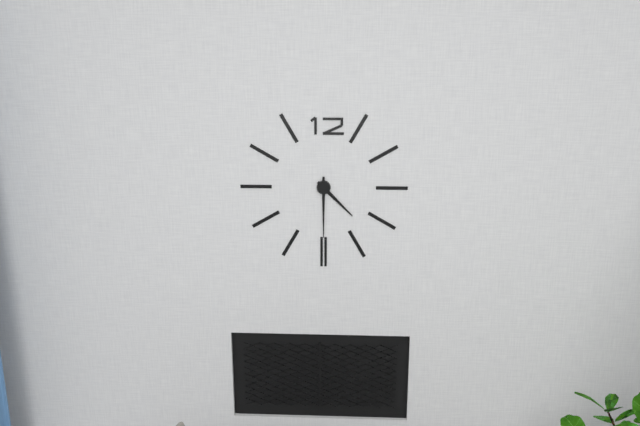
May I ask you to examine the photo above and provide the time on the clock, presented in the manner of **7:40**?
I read **4:30**
